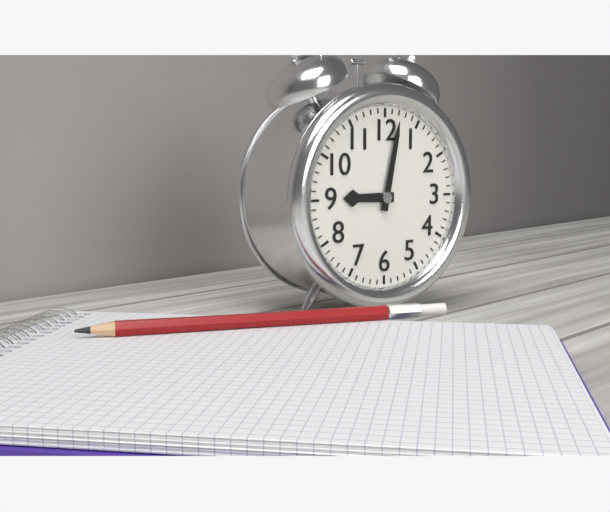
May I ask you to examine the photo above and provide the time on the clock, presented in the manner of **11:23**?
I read **9:02**
